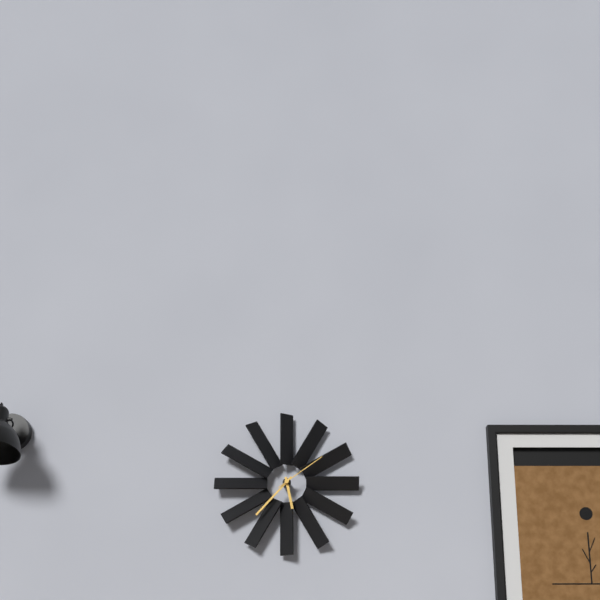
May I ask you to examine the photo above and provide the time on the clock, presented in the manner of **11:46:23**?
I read **5:37:09**
